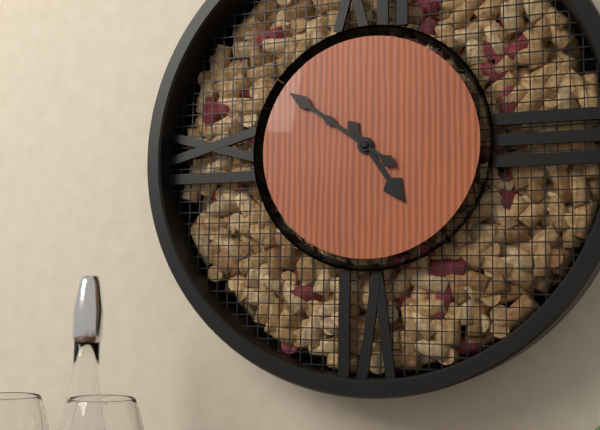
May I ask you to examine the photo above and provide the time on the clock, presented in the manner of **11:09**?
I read **4:51**
